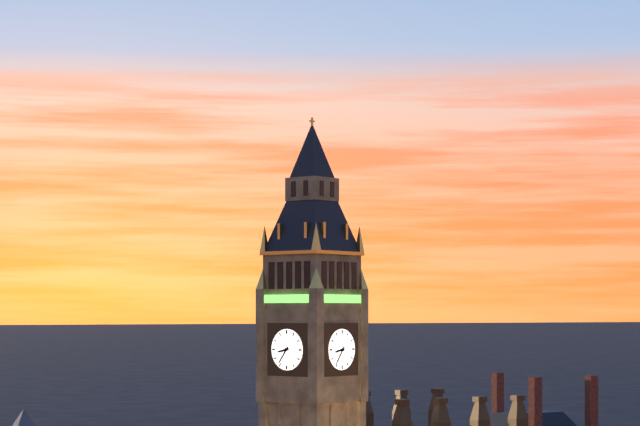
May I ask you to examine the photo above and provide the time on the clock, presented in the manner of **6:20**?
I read **8:36**
